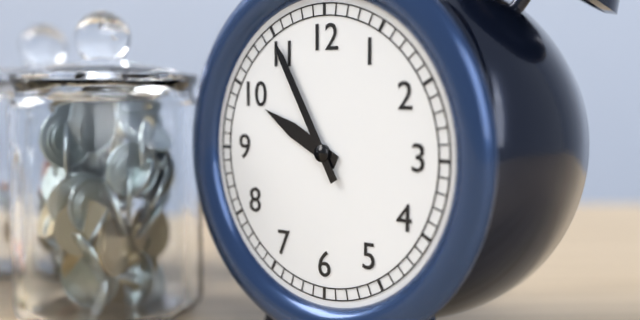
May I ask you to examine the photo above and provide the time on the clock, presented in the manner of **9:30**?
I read **9:55**
